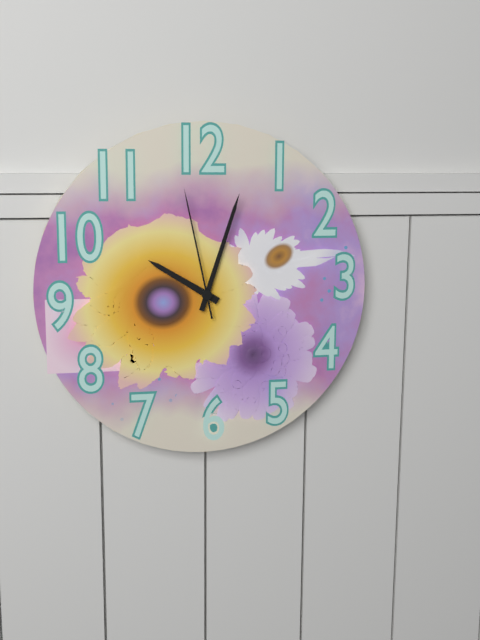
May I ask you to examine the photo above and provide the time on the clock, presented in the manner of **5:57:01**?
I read **10:03:58**
